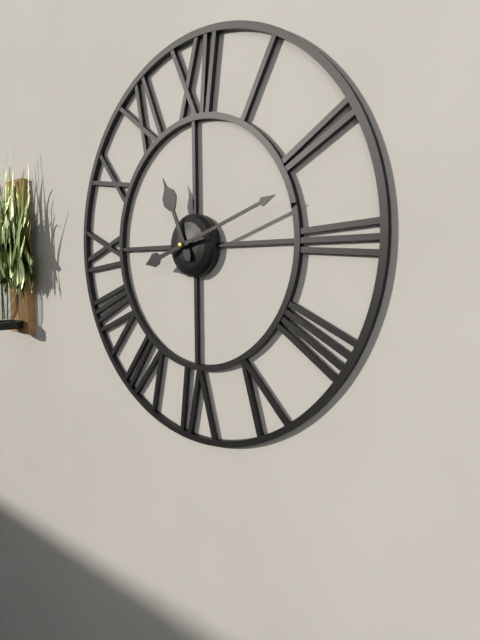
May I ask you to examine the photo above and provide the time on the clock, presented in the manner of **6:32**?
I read **11:12**
